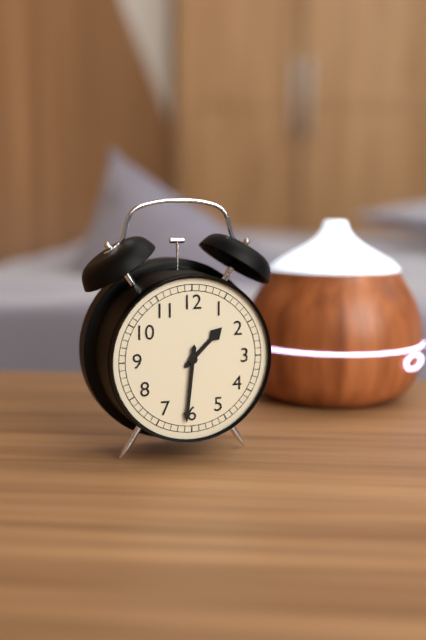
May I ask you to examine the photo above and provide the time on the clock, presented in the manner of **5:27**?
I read **1:31**
